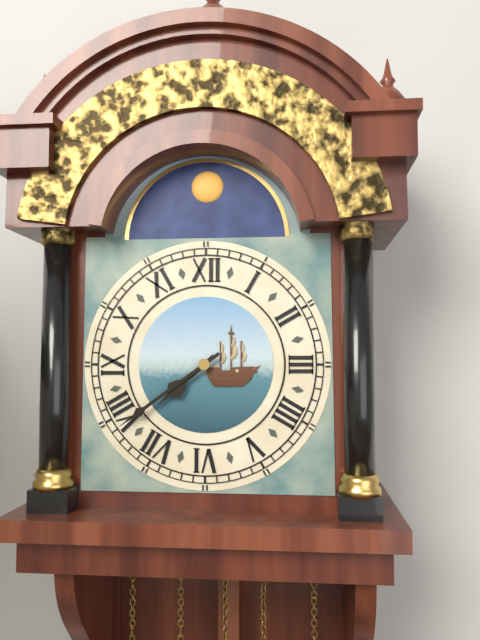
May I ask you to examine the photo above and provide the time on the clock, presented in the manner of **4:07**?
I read **7:39**
